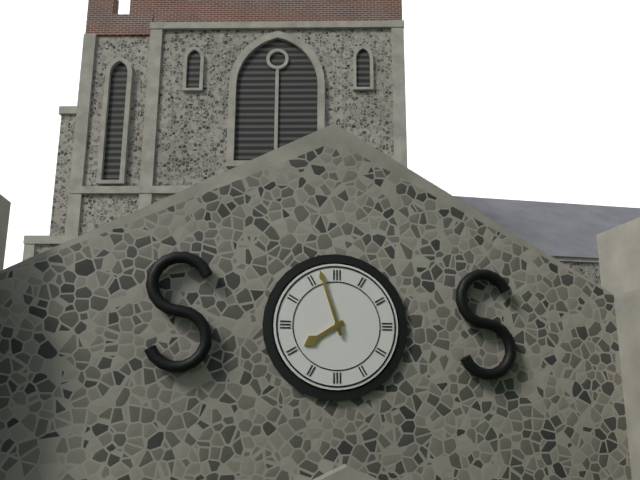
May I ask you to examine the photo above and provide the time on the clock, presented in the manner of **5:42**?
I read **7:57**
